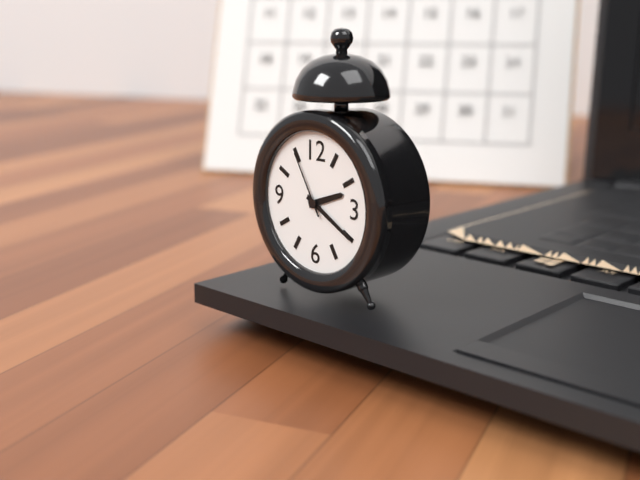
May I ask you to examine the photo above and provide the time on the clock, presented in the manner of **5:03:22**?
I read **2:20:55**
